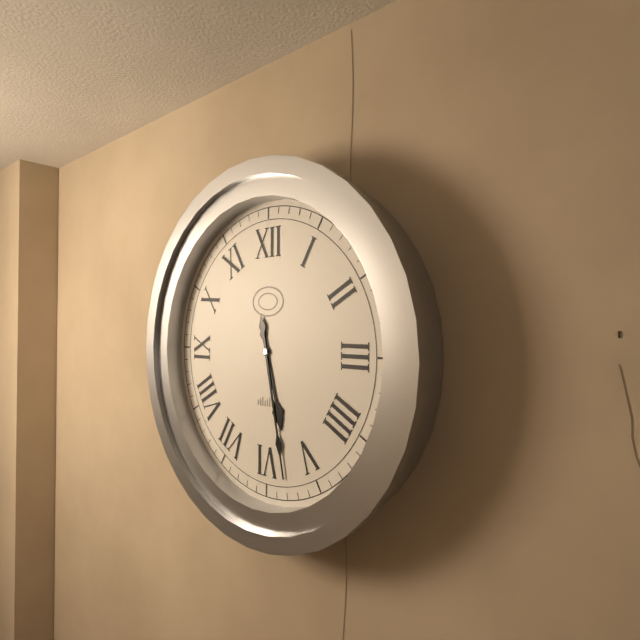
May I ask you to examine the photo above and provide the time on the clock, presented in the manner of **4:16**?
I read **5:28**
